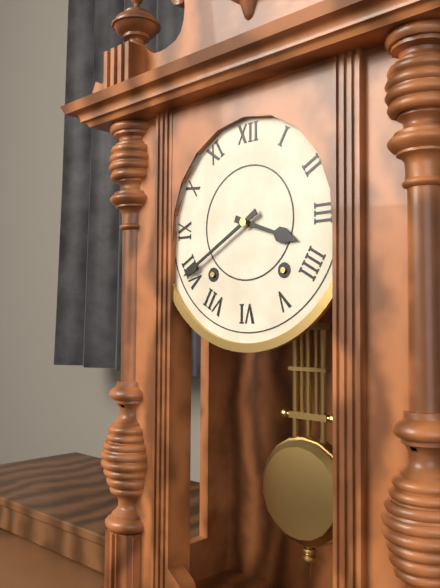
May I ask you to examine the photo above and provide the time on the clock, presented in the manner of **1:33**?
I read **3:40**
